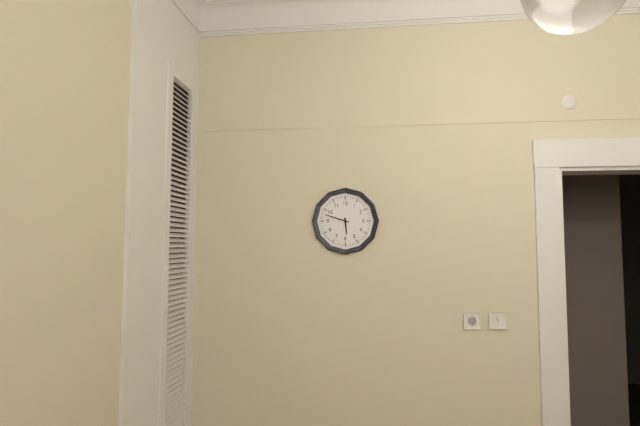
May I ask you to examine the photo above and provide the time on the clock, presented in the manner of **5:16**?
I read **5:48**
